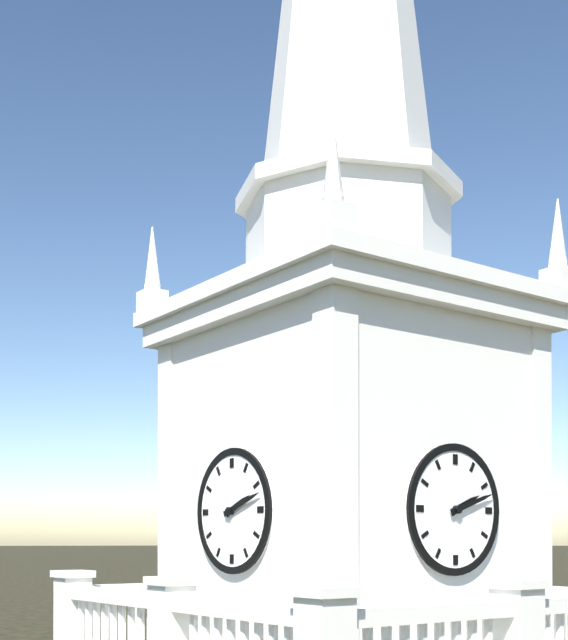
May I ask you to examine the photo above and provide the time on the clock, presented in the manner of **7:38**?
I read **2:12**
